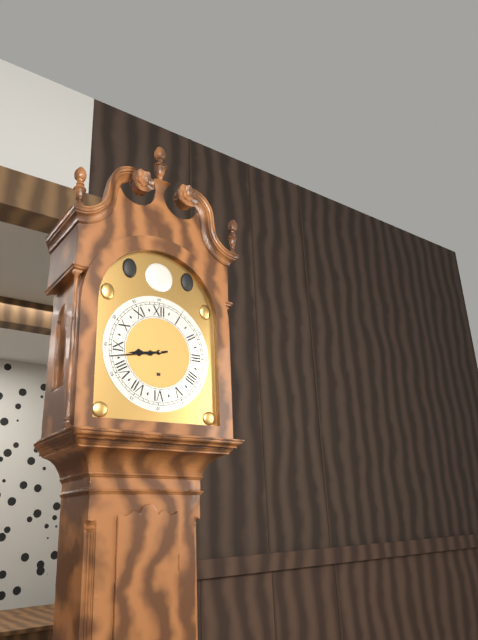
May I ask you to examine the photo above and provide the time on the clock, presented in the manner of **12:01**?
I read **8:43**
